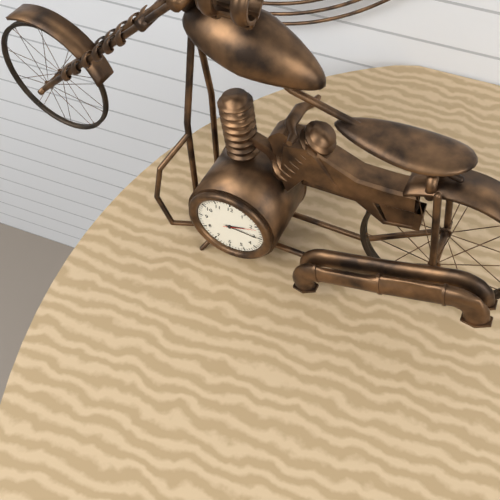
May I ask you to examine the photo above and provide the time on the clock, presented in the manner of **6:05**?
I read **2:15**
